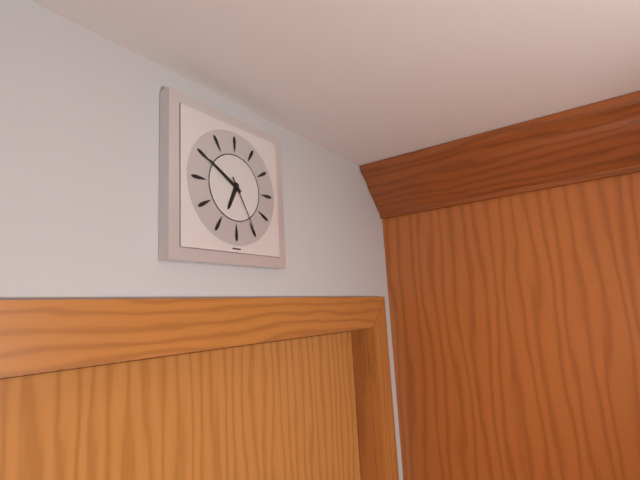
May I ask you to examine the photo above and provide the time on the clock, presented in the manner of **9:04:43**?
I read **6:50:25**
